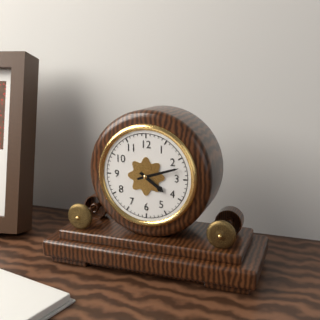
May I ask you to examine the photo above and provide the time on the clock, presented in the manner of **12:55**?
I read **4:12**
